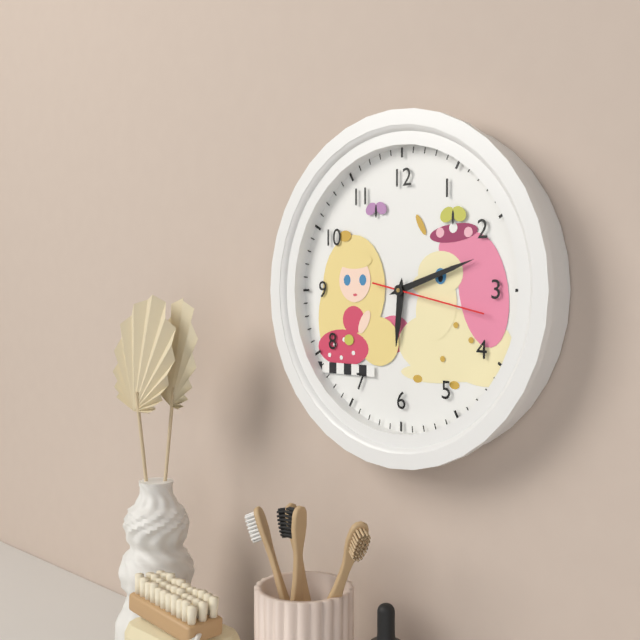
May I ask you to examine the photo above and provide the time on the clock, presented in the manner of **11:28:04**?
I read **6:12:17**
